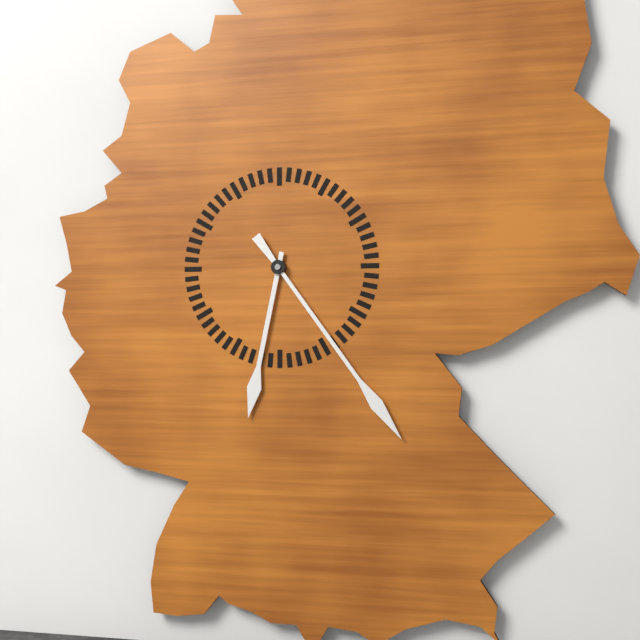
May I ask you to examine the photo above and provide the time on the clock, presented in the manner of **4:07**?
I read **6:24**
